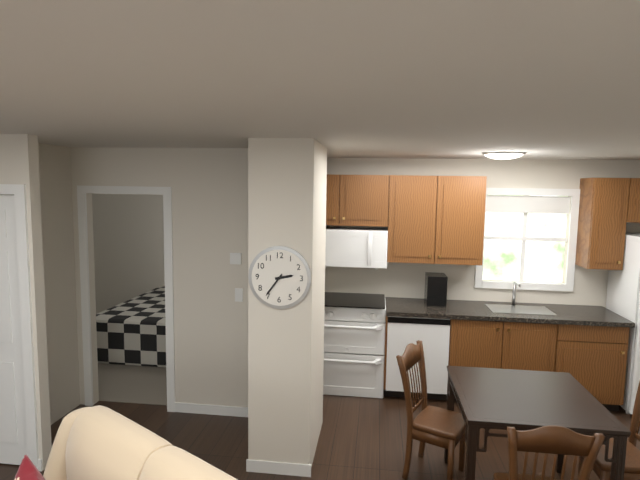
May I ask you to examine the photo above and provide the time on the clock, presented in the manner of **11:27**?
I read **2:36**
